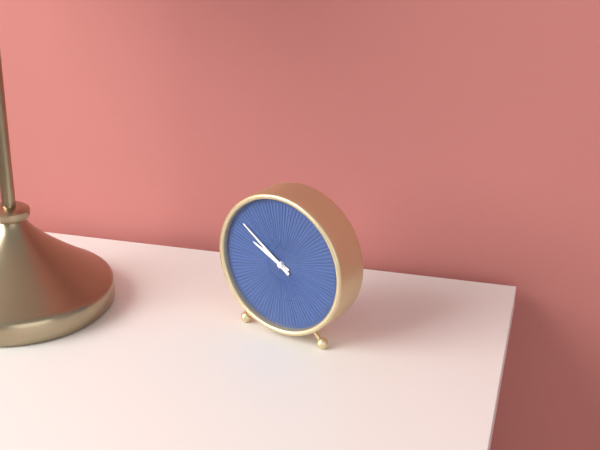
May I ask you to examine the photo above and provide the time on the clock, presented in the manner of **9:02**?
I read **9:51**
